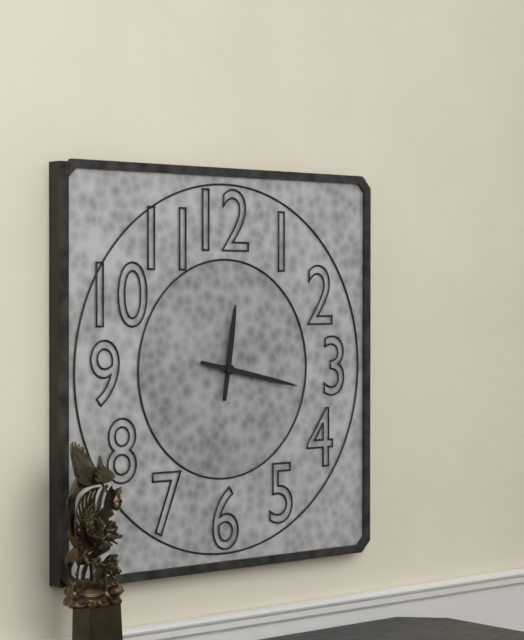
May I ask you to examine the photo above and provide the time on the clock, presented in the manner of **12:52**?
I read **12:17**
